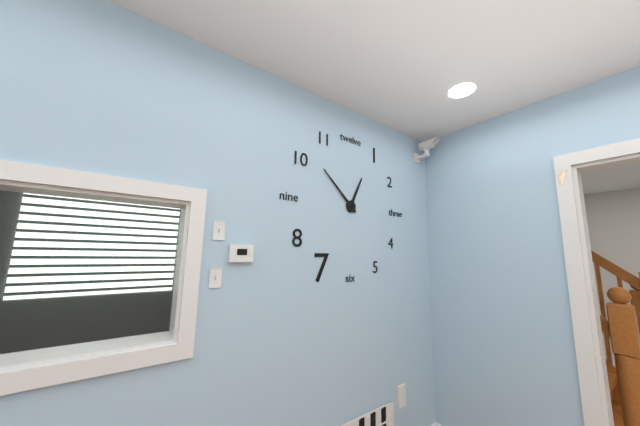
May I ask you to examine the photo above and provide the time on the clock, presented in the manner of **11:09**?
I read **12:52**
